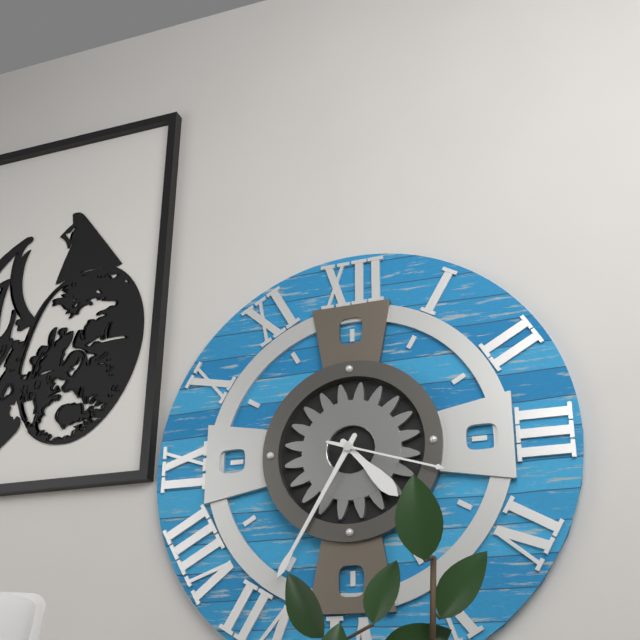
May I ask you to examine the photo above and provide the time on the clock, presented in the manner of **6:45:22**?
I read **4:35:18**
